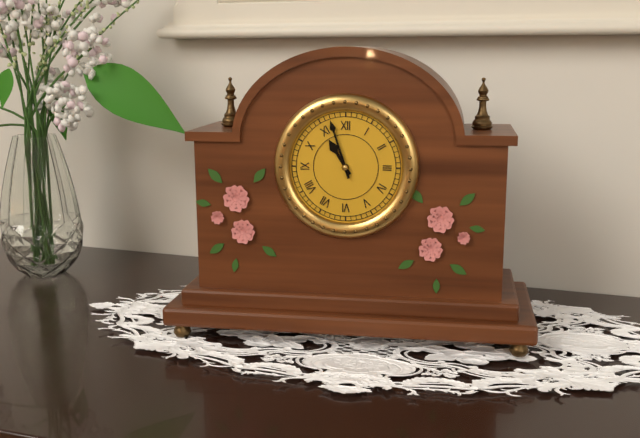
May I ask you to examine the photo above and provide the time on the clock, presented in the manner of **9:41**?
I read **10:57**
